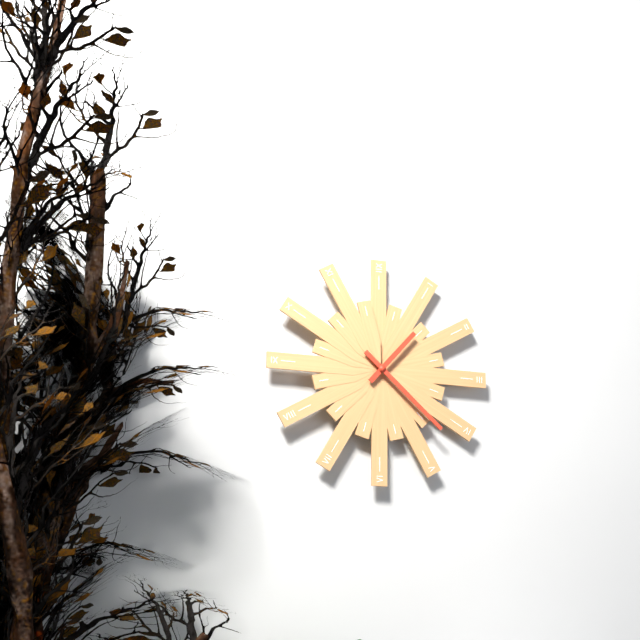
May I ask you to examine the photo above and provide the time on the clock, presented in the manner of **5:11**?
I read **1:22**
